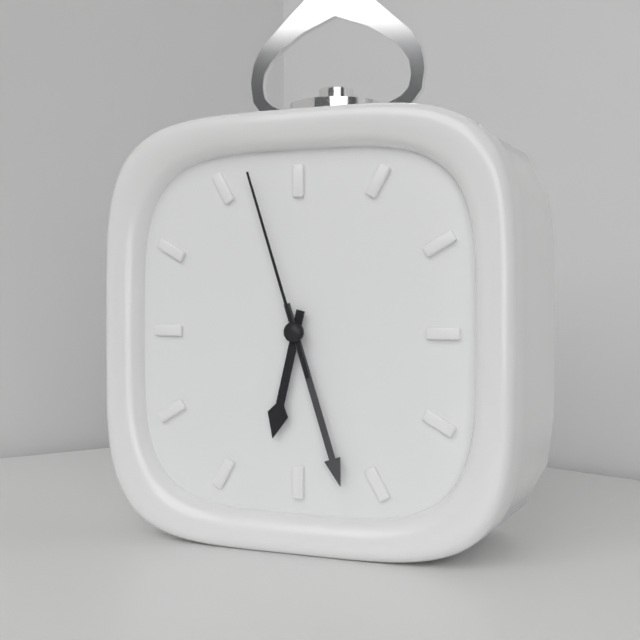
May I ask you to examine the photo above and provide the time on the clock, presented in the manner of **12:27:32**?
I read **6:27:57**
